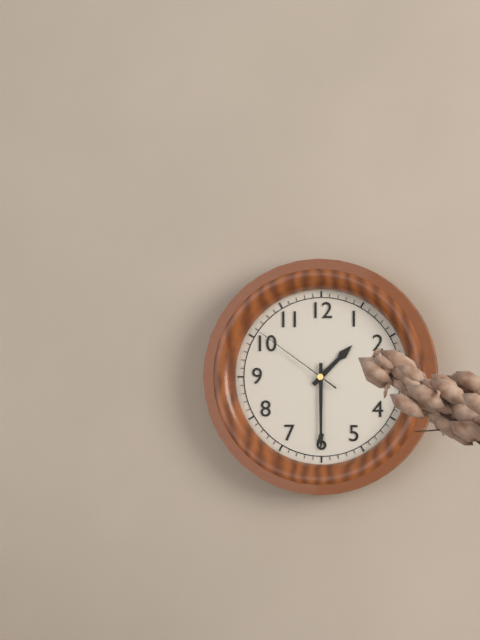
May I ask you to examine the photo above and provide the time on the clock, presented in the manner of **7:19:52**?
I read **1:30:51**
